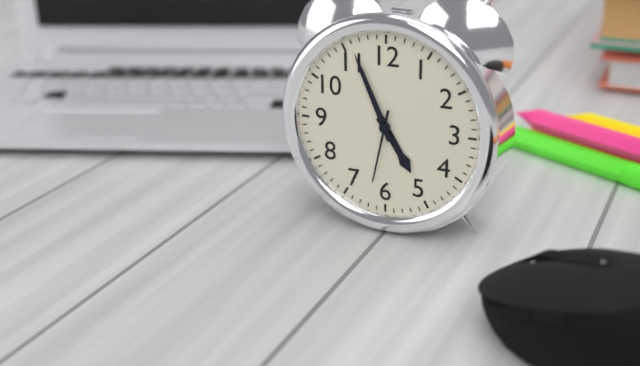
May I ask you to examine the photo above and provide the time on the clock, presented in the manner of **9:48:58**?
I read **4:56:32**
